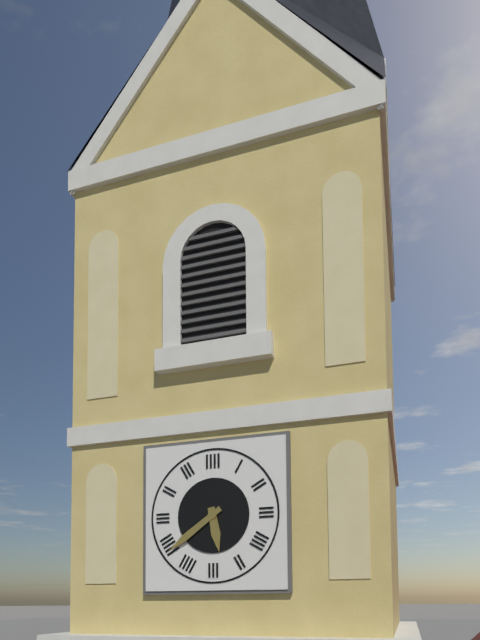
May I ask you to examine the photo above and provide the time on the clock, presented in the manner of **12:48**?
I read **5:39**
